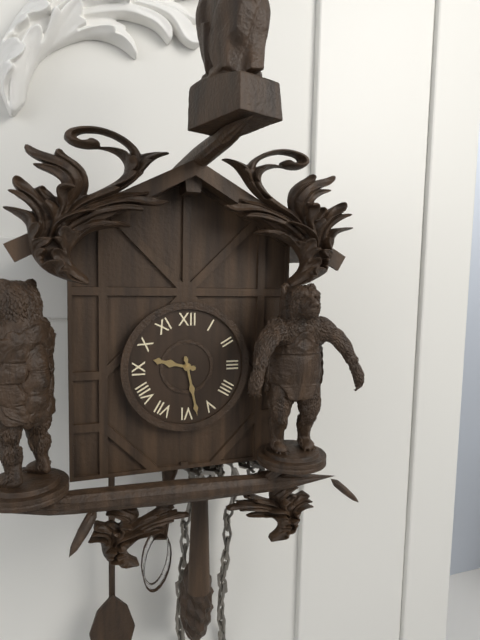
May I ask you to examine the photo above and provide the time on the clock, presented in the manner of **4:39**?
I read **9:28**
